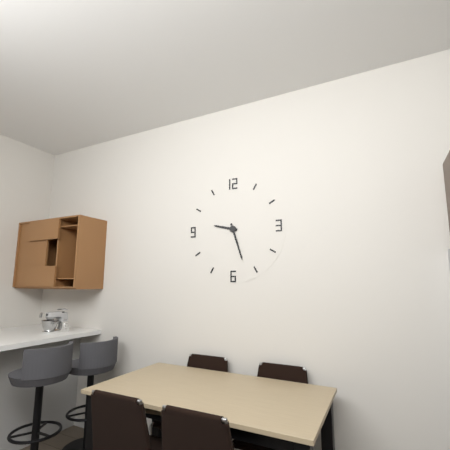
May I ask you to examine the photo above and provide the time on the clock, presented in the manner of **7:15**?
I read **9:27**
